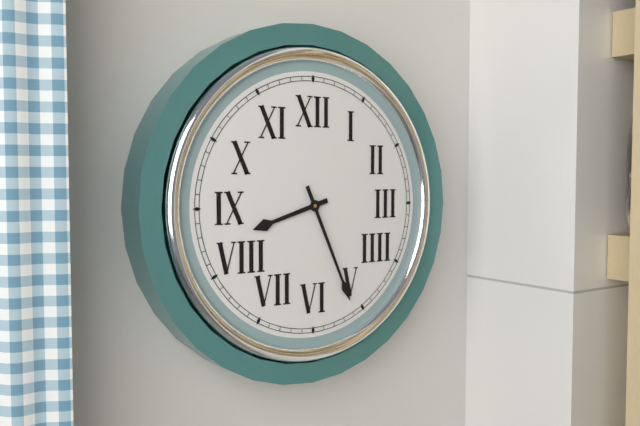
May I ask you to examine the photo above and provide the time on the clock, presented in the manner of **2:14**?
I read **8:26**
